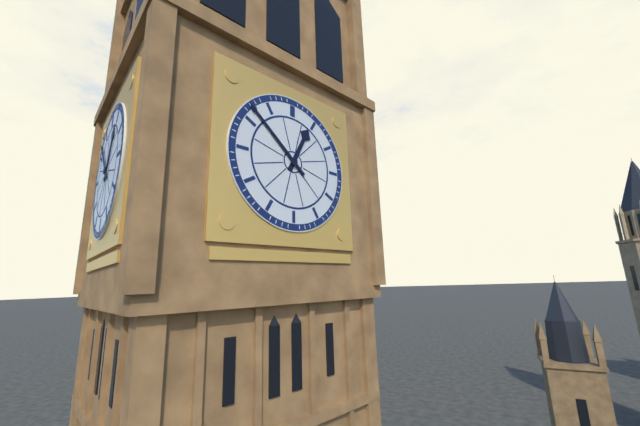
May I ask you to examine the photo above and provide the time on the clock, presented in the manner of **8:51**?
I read **12:52**
